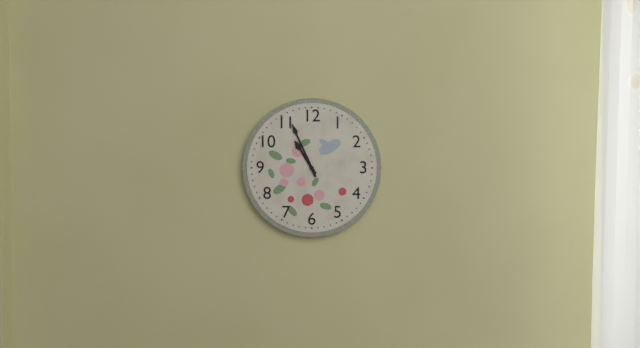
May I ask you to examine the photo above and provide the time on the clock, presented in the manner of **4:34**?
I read **10:56**
